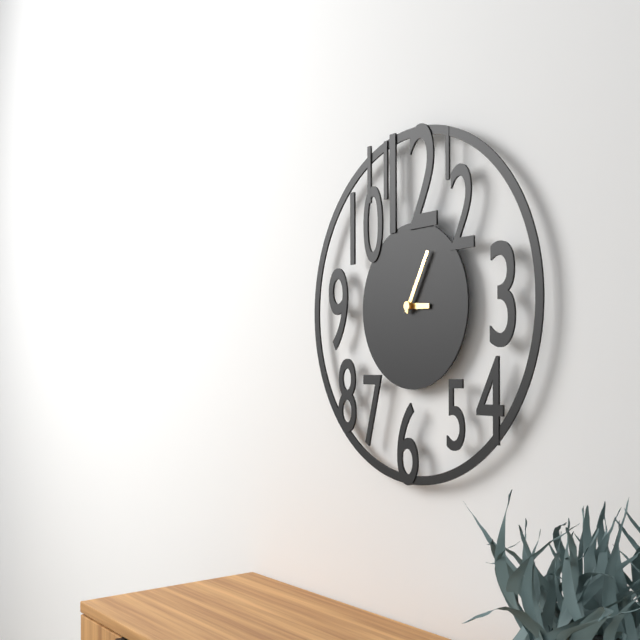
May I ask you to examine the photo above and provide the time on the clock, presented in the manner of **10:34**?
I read **3:05**
